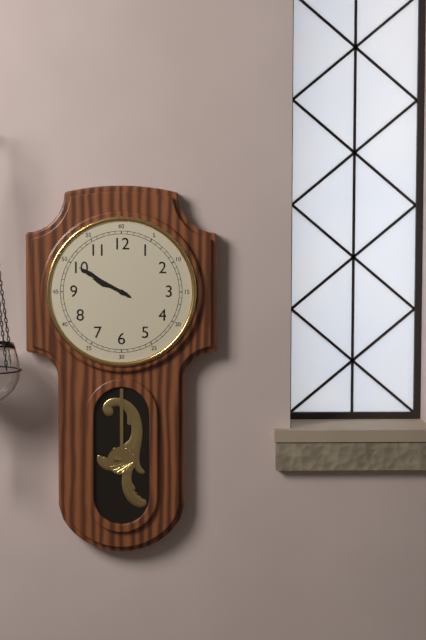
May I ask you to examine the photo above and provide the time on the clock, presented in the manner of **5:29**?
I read **9:50**
